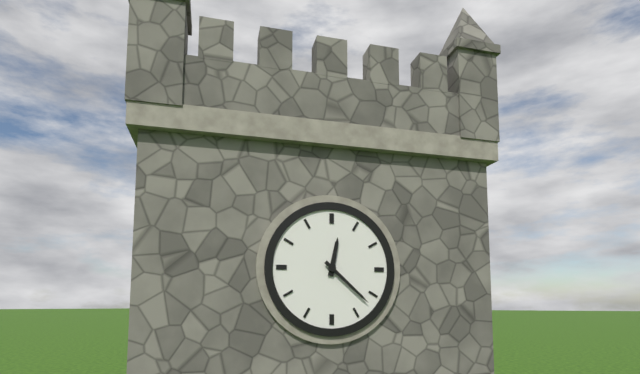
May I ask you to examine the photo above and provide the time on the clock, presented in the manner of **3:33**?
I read **12:22**
